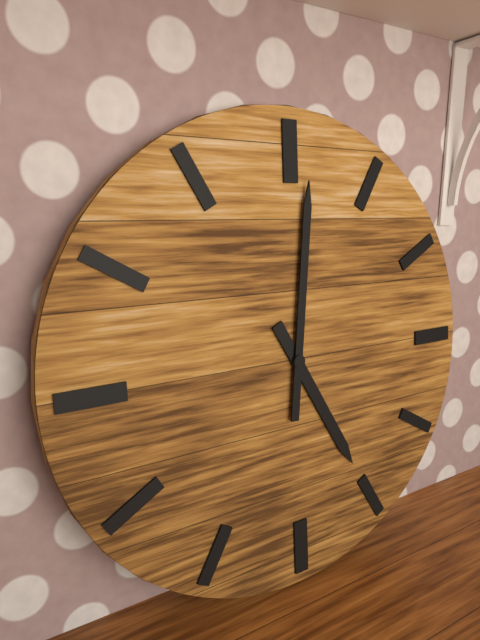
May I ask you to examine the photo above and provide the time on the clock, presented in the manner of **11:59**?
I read **5:01**
